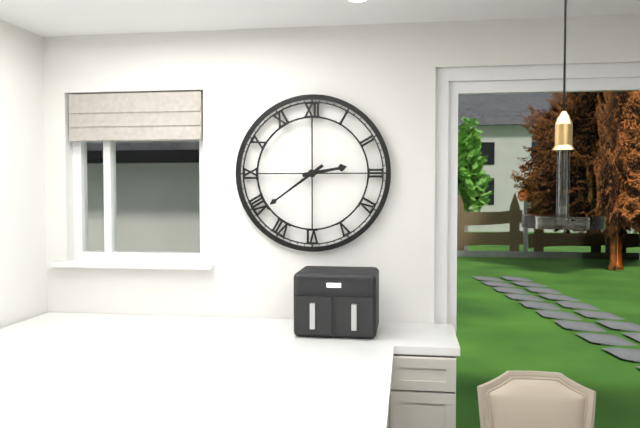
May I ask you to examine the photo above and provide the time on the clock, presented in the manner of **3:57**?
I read **2:39**
